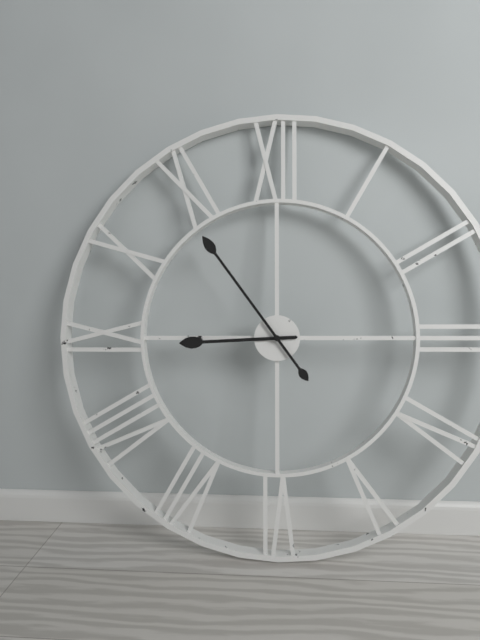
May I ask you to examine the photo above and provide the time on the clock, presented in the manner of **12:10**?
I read **8:54**
